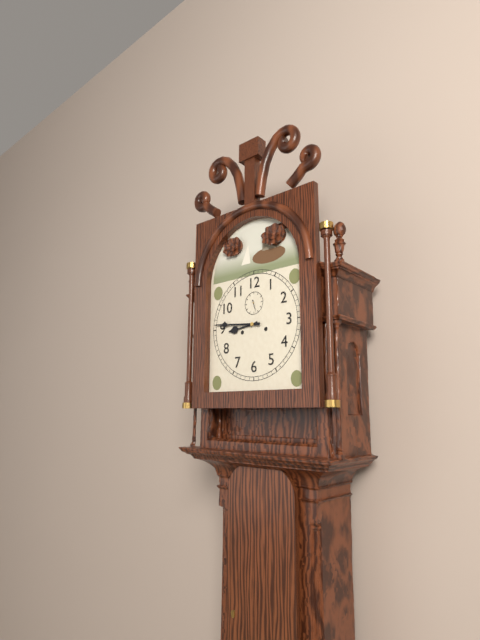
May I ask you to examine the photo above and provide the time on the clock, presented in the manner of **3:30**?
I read **8:46**
